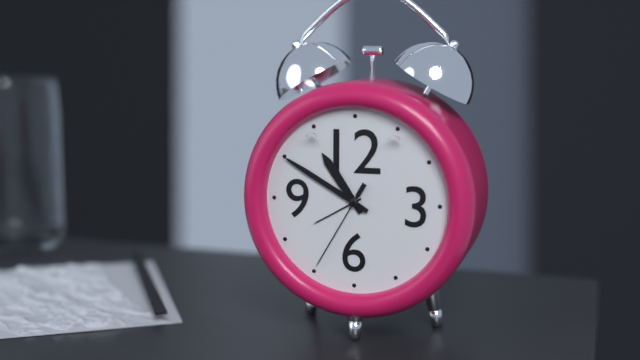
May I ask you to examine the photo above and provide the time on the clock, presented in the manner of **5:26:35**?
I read **10:50:35**
